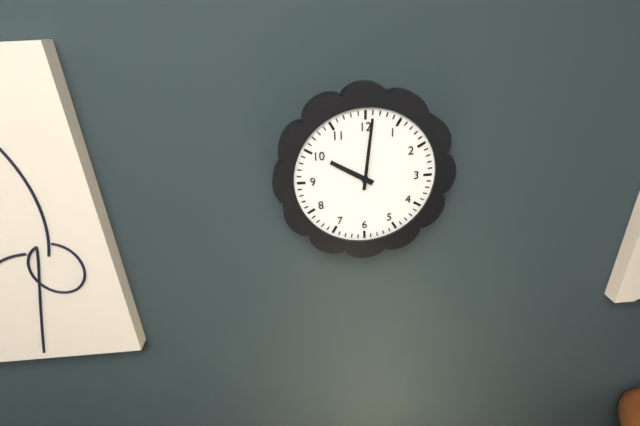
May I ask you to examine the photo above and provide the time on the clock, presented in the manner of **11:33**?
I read **10:01**
